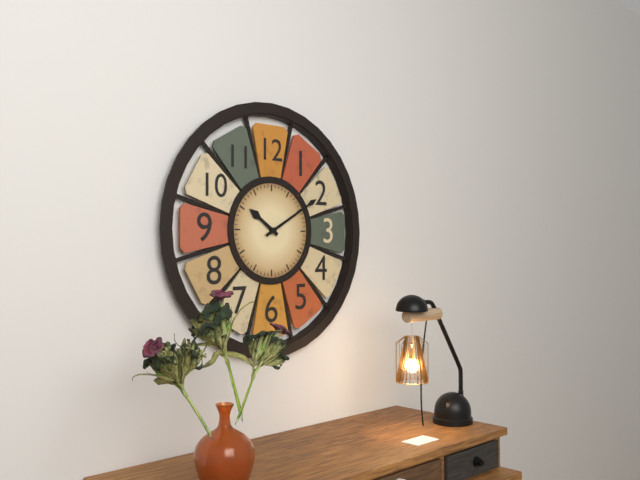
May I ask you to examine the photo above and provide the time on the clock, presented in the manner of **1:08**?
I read **10:10**
